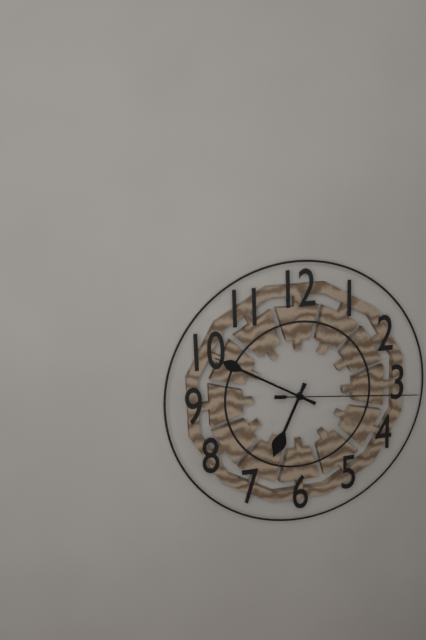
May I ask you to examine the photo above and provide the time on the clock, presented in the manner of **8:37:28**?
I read **6:50:16**
